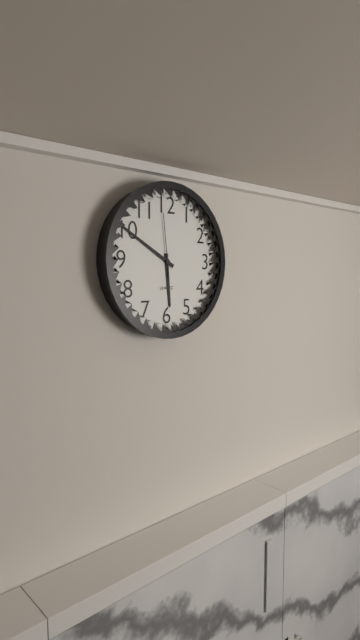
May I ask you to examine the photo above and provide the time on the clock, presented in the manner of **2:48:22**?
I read **5:50:59**
